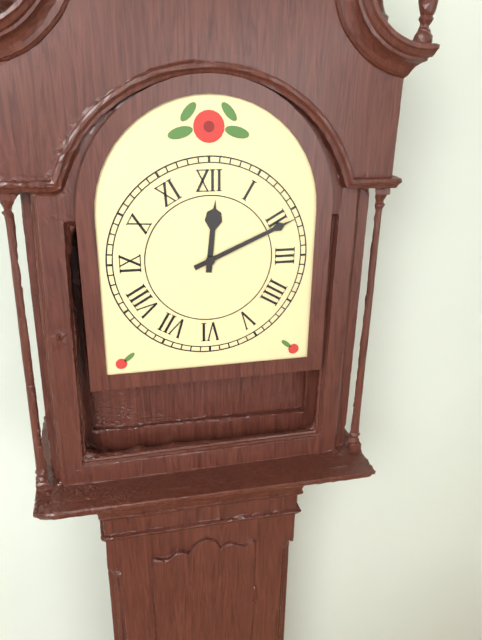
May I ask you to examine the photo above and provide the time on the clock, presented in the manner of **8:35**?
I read **12:11**
